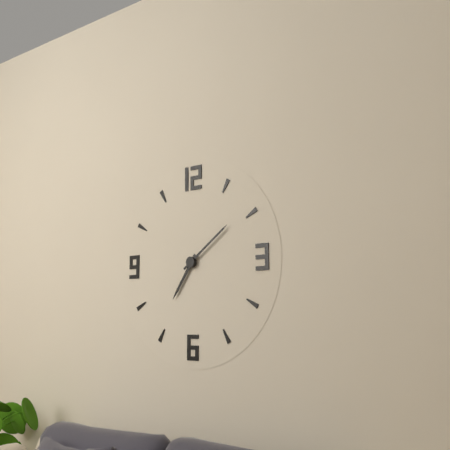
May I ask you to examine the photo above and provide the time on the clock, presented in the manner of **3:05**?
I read **7:09**
